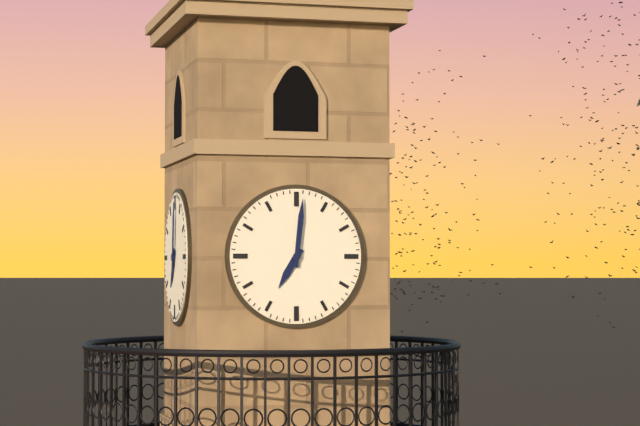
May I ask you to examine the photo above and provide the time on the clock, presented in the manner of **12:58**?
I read **7:01**
